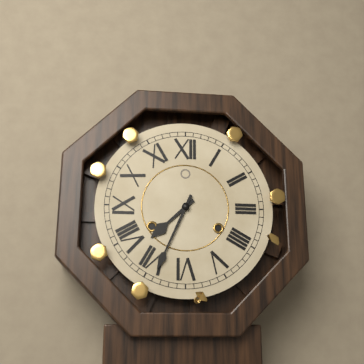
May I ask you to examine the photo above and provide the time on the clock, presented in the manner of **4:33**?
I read **7:34**
